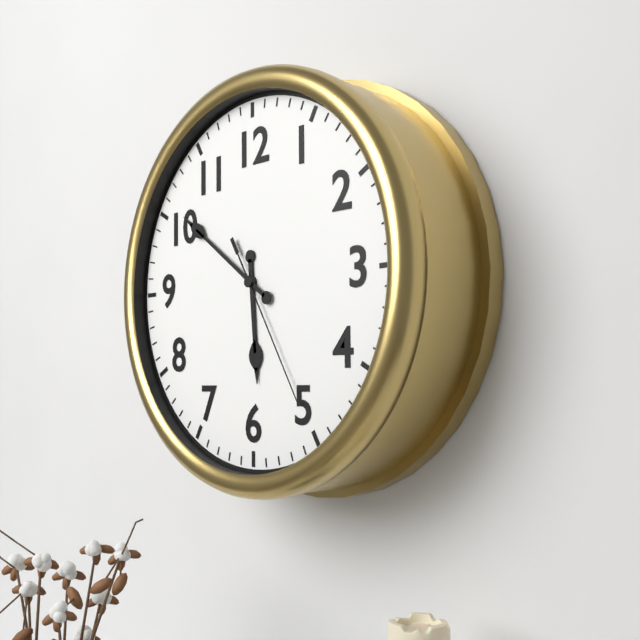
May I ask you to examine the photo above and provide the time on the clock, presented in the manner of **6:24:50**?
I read **5:51:25**
